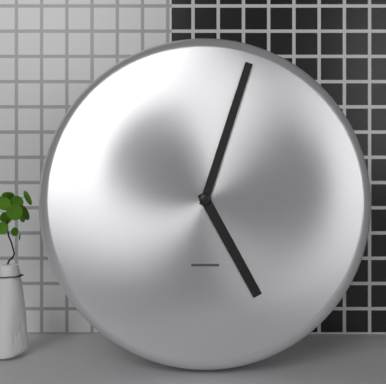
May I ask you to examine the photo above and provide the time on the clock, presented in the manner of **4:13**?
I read **5:03**
